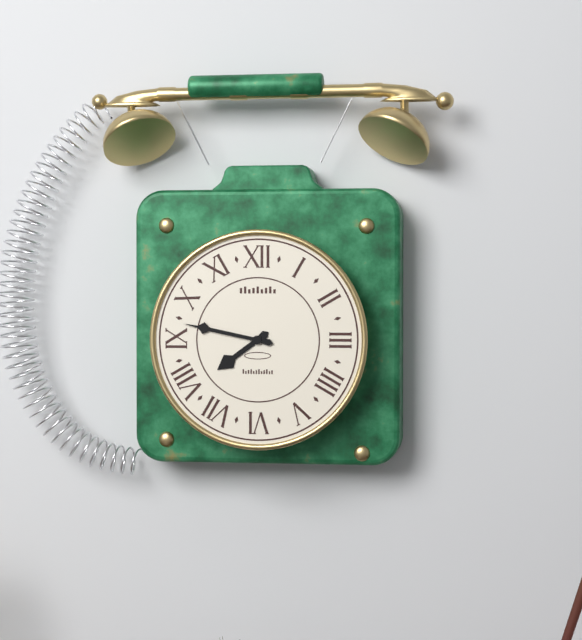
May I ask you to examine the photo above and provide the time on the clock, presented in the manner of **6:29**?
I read **7:47**
